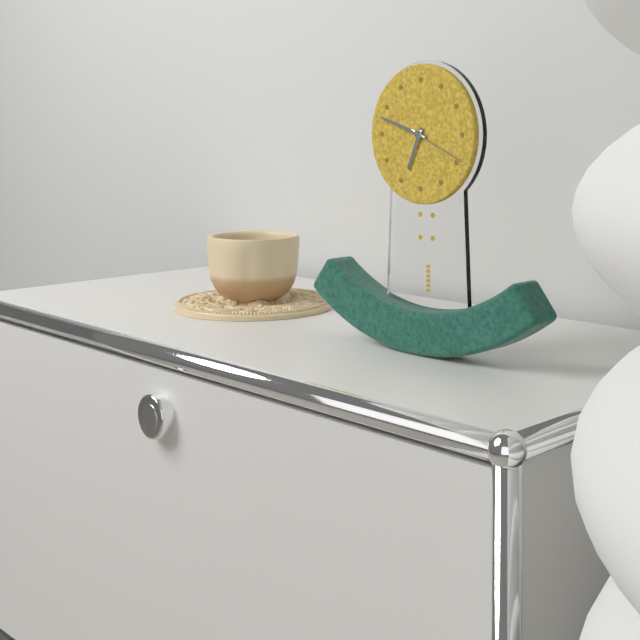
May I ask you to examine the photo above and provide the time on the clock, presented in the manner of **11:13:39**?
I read **6:48:19**
